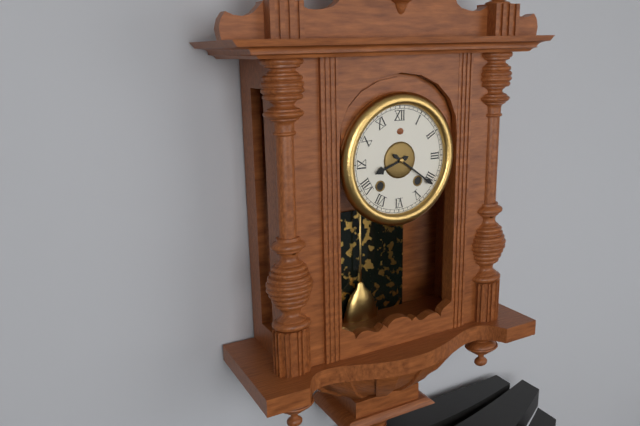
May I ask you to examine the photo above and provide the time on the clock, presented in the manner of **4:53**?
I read **8:21**
